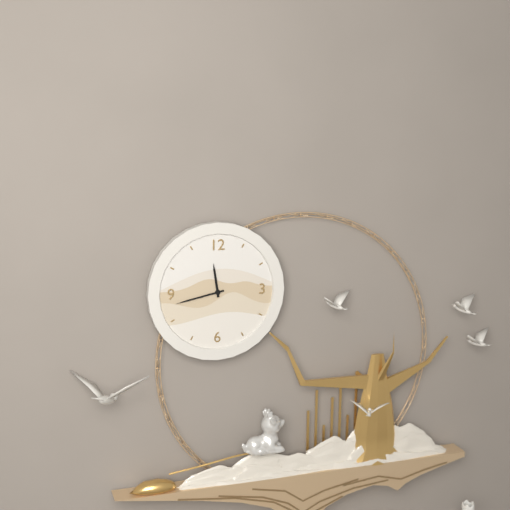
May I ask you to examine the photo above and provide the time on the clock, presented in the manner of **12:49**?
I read **11:43**
